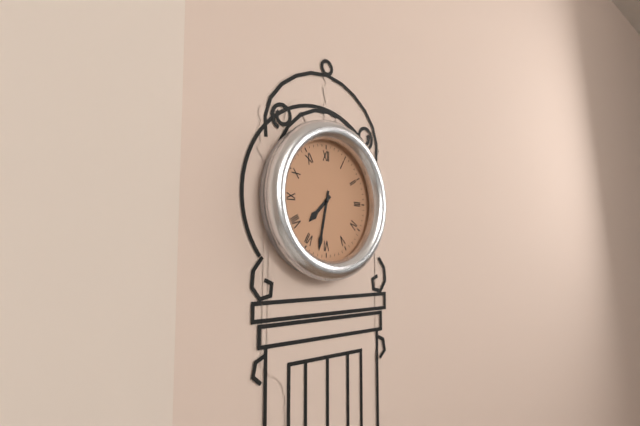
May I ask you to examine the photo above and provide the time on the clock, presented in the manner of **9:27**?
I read **7:32**
